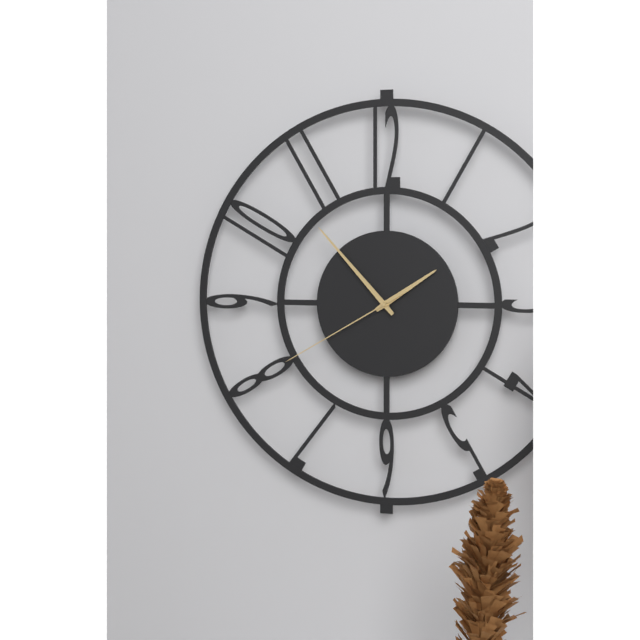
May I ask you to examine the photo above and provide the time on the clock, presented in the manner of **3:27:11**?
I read **1:53:40**
